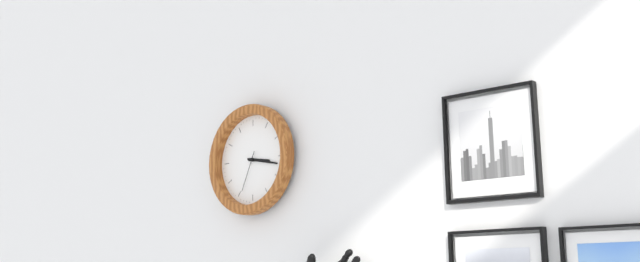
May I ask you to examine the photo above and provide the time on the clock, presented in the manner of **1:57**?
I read **3:17**
